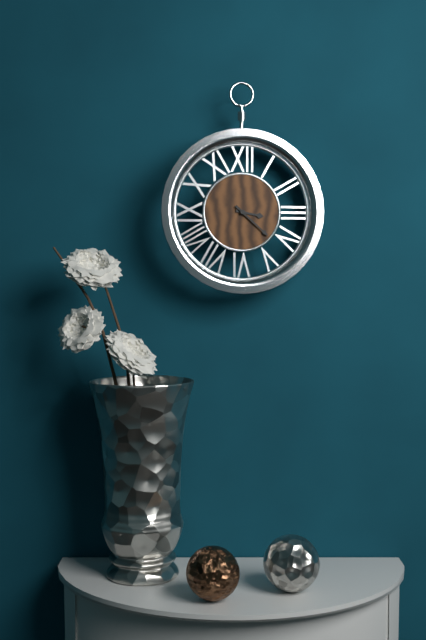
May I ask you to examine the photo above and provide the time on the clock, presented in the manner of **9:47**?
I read **3:22**
